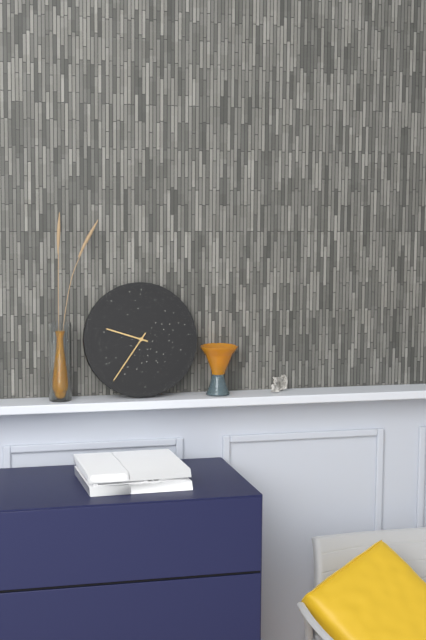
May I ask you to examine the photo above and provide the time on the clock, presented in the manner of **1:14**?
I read **9:36**
